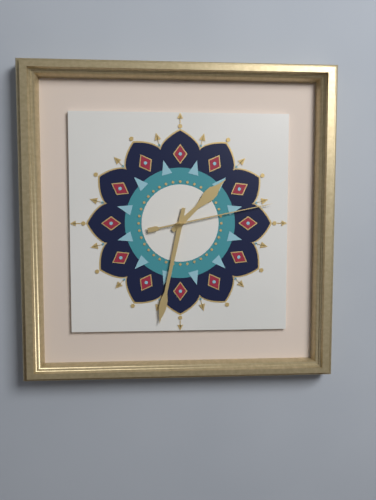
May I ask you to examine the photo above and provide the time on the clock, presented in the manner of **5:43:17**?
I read **1:32:13**
